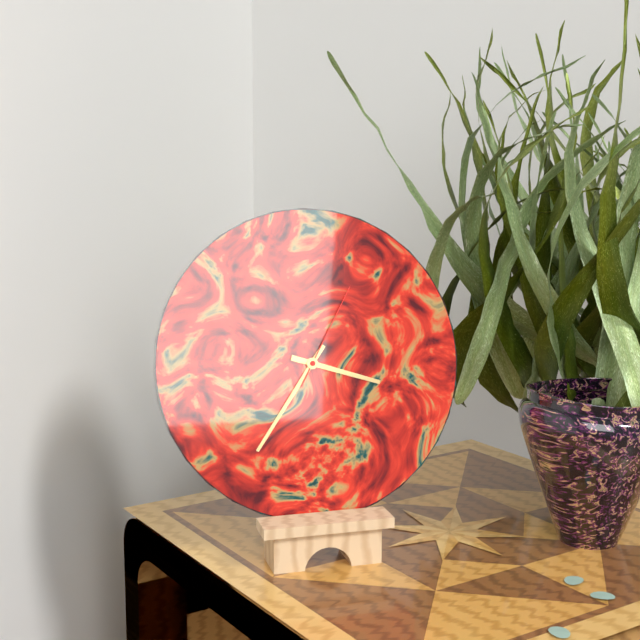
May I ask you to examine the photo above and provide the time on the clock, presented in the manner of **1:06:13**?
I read **3:36:05**
